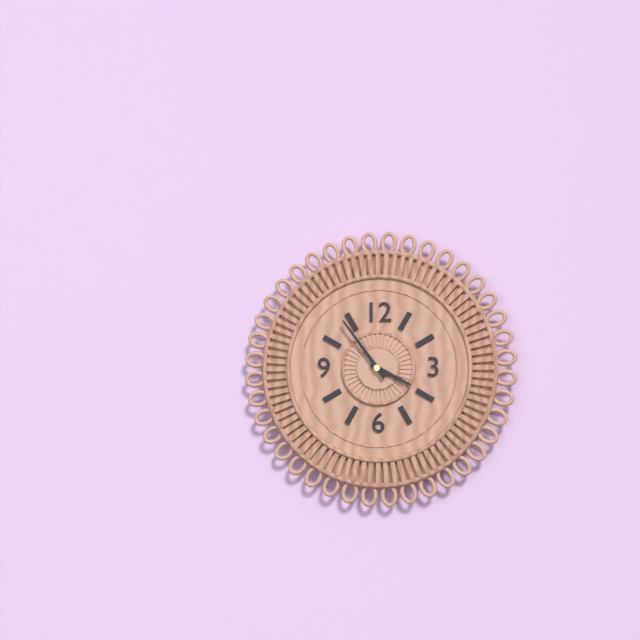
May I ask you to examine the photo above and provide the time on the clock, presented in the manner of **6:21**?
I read **3:54**
